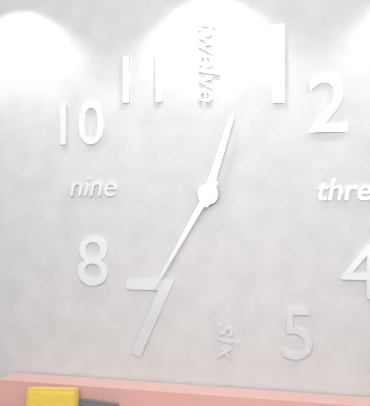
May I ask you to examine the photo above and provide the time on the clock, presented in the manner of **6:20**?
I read **12:35**
